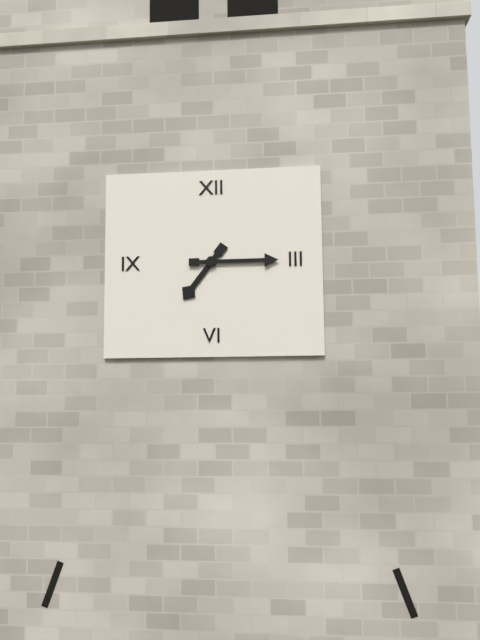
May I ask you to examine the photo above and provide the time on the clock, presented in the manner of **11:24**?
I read **7:15**
